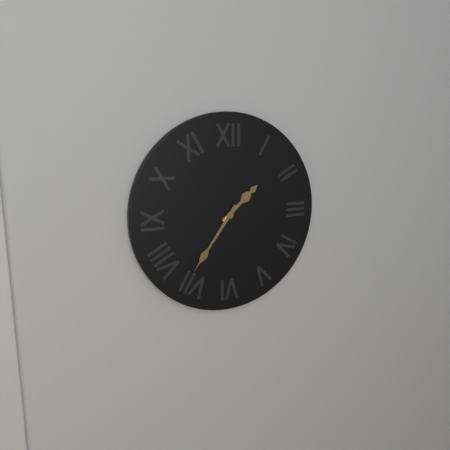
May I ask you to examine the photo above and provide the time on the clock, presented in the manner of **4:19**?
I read **1:36**
